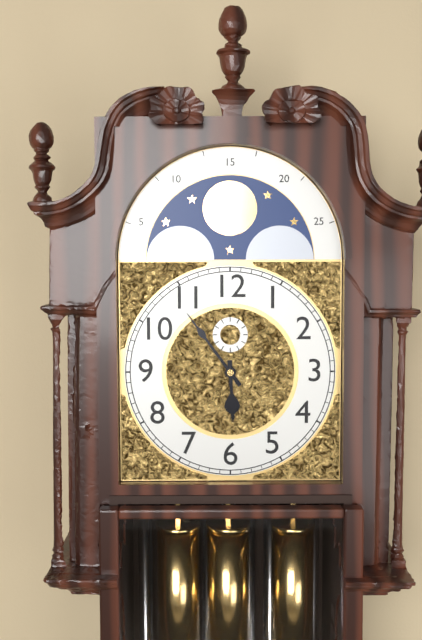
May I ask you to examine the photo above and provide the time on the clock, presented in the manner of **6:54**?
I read **5:54**
